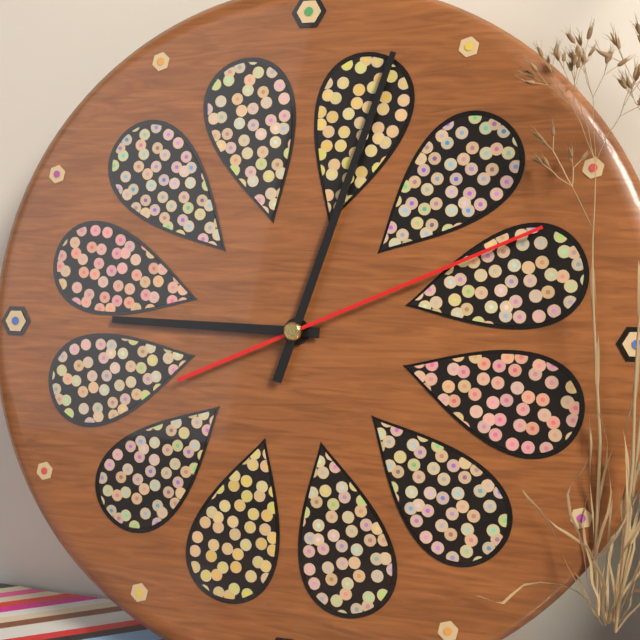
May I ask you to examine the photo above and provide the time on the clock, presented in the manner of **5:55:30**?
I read **9:03:11**
